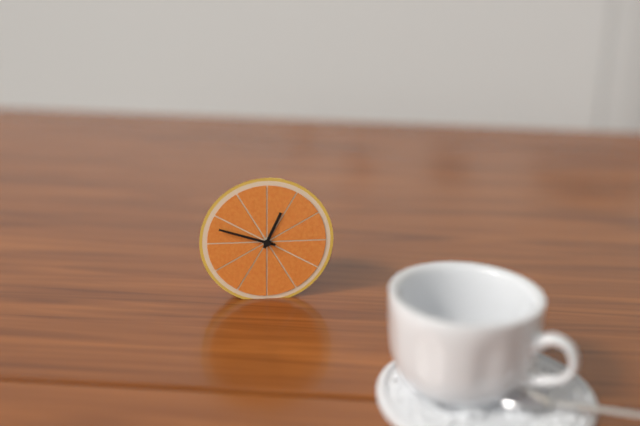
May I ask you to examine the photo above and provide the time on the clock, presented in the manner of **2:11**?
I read **12:48**
